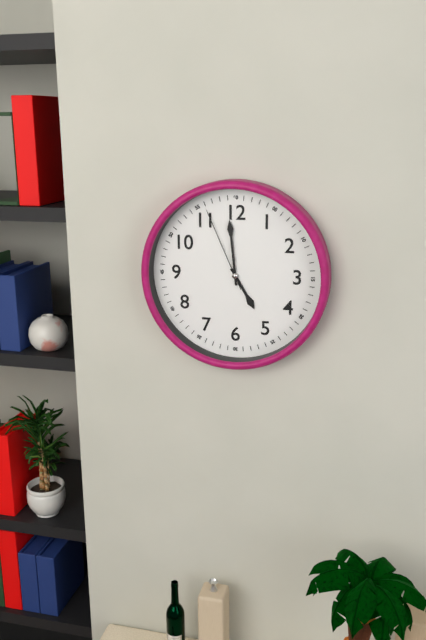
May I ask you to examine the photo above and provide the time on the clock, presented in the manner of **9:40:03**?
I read **4:59:56**
